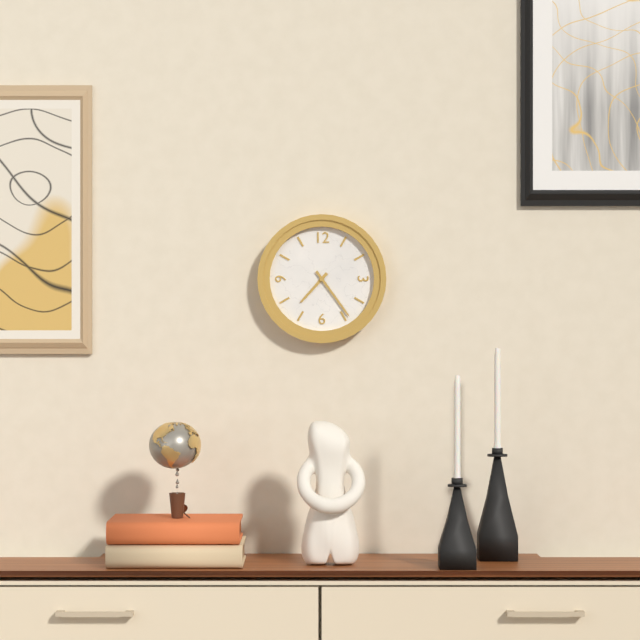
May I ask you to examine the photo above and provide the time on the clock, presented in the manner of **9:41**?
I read **7:24**
